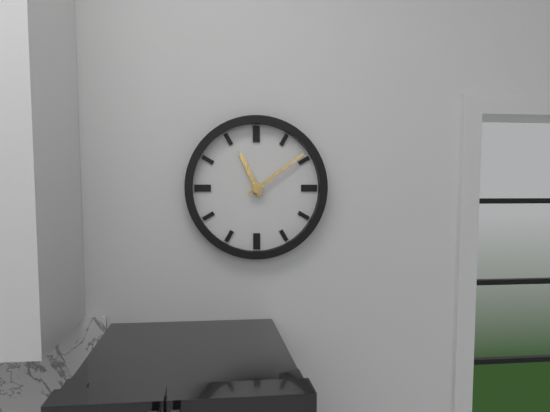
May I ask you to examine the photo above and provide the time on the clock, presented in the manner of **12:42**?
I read **11:09**
